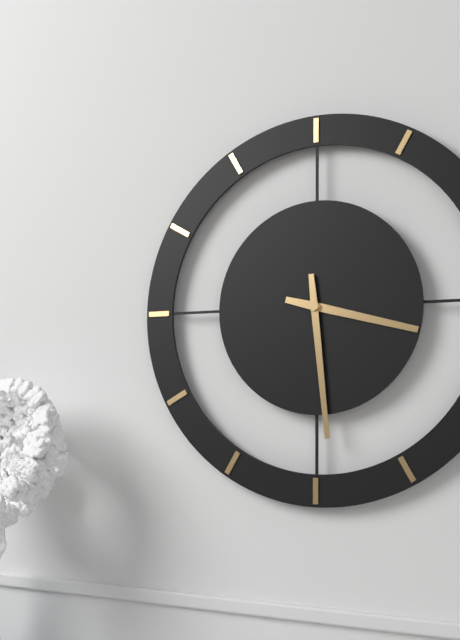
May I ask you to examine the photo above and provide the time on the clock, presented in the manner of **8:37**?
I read **3:29**
